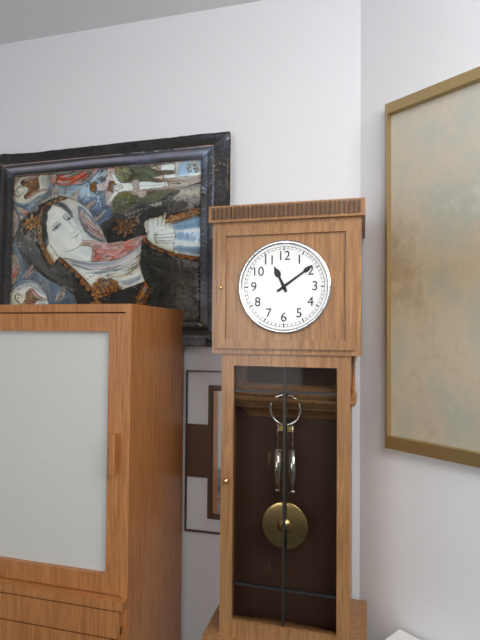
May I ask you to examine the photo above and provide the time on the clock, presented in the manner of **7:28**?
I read **11:09**
